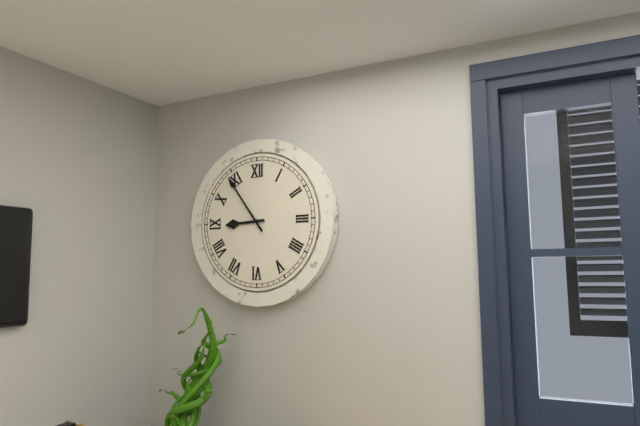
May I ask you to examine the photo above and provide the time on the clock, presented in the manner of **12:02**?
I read **8:54**
